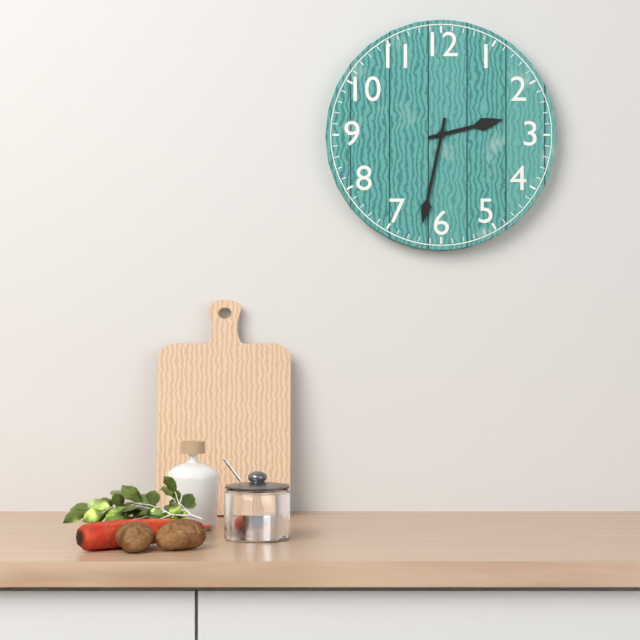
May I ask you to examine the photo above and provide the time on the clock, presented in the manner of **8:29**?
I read **2:32**
